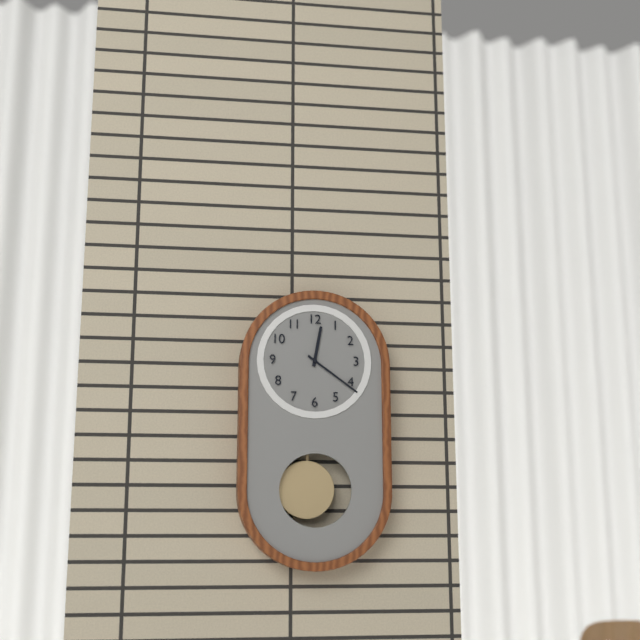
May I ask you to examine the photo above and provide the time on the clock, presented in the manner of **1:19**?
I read **12:21**
